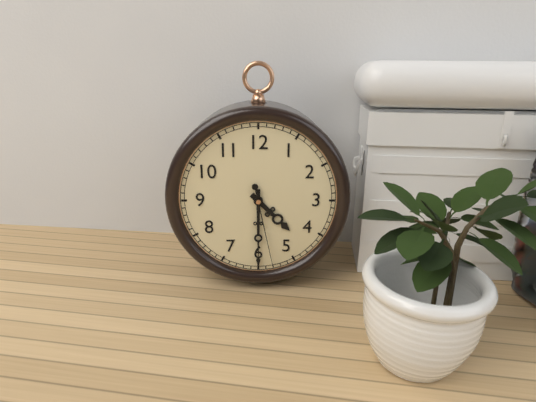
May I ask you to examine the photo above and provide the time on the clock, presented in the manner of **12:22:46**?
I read **4:30:28**
